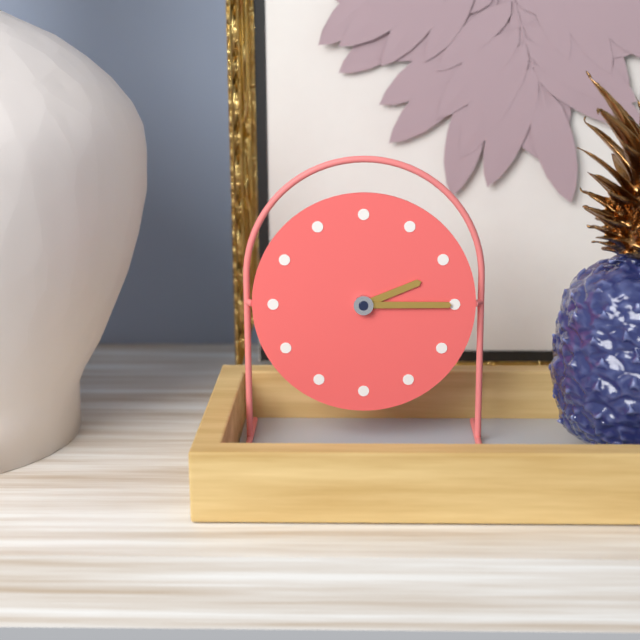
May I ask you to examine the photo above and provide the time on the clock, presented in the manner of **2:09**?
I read **2:15**
